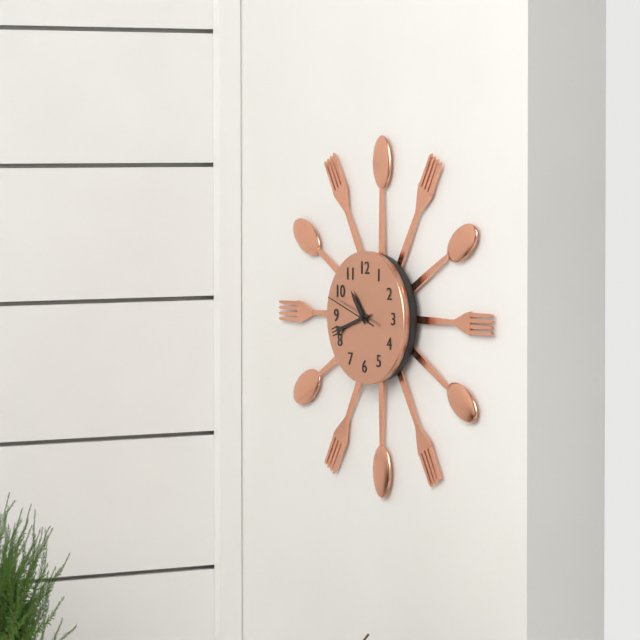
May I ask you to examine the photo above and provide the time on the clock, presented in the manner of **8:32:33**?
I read **10:42:48**
